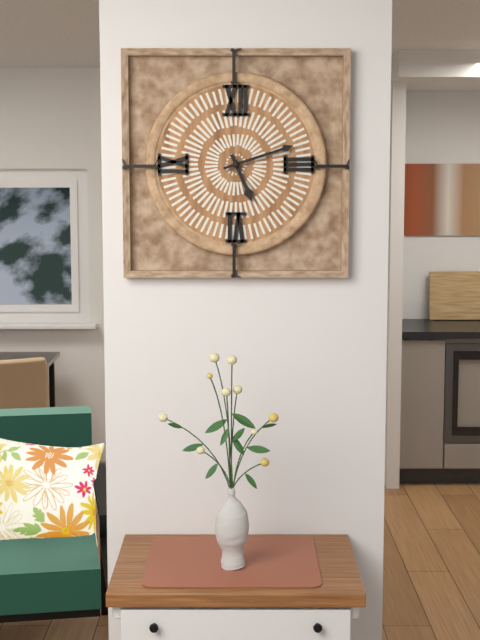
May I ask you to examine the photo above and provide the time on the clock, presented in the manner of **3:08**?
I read **5:12**
